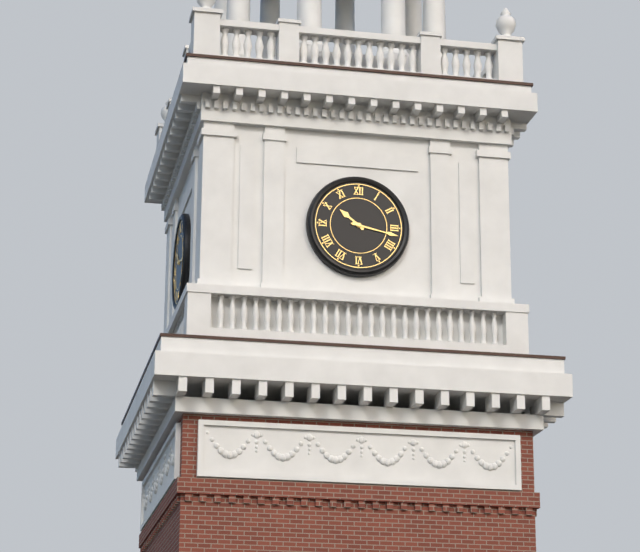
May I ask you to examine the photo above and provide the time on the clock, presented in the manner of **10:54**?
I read **10:17**
